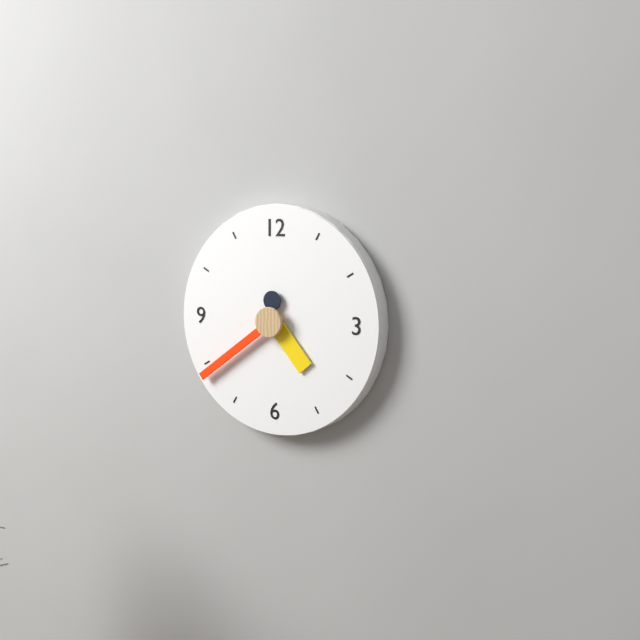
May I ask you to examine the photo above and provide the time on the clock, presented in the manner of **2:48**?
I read **4:39**
